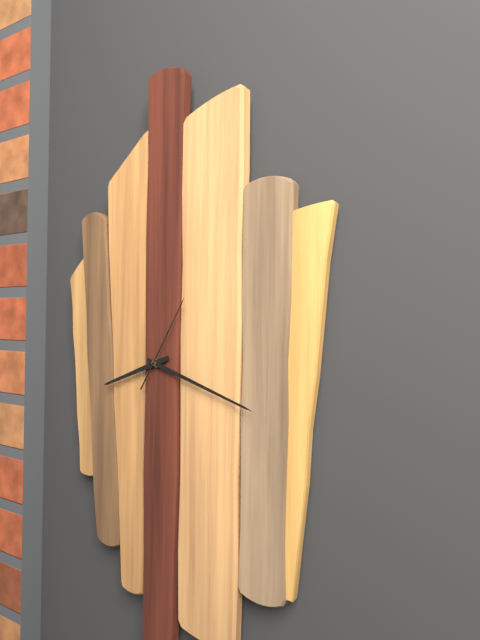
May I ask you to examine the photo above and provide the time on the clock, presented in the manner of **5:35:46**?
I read **8:18:05**
